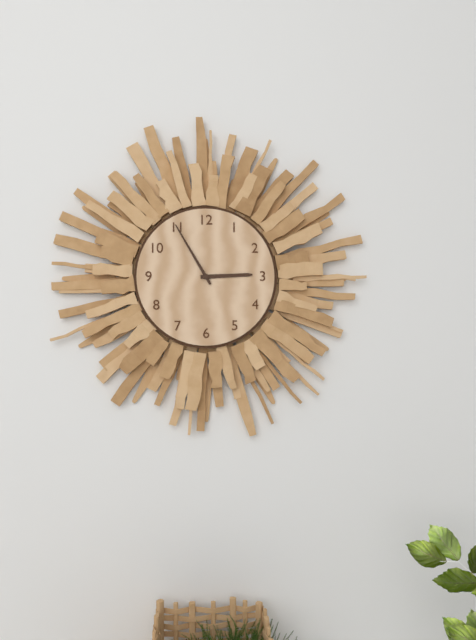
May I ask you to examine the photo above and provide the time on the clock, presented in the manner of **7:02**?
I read **2:55**
